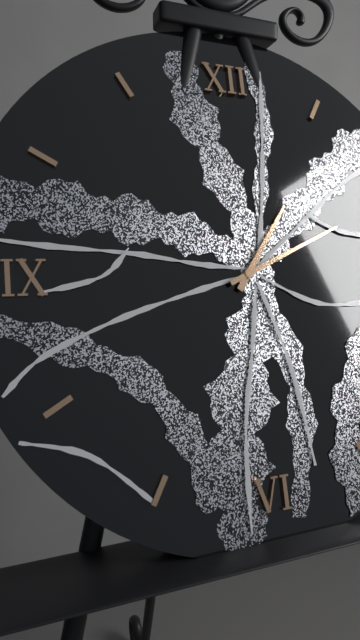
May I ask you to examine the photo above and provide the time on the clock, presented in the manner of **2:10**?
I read **1:11**
